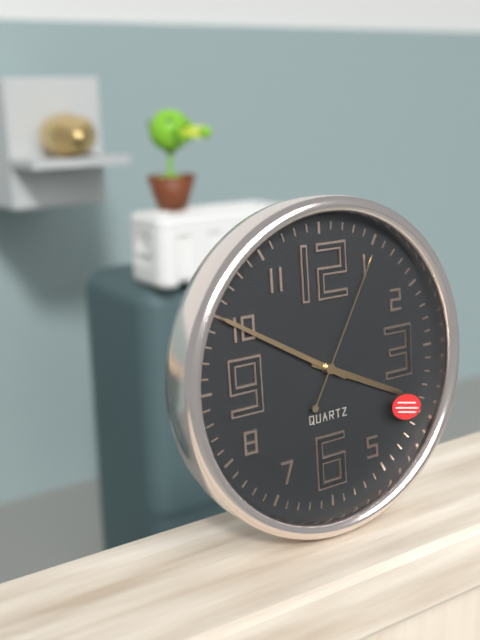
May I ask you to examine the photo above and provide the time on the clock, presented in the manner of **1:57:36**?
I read **3:50:05**
